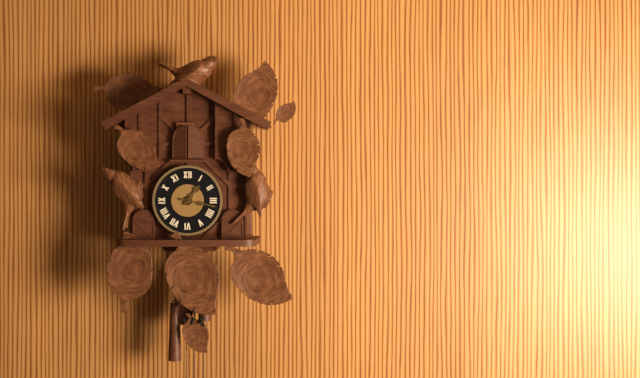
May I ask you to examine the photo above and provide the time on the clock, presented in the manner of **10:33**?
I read **1:17**
